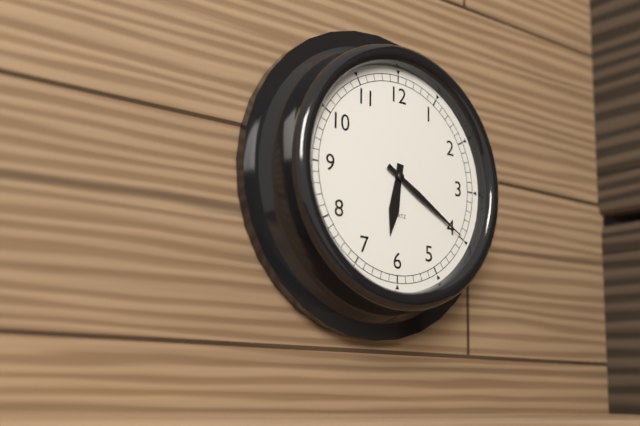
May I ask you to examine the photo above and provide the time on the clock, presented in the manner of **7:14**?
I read **6:20**
